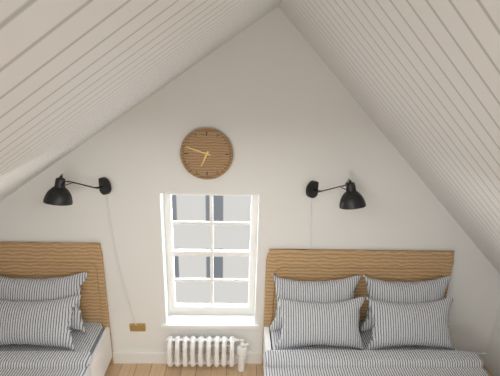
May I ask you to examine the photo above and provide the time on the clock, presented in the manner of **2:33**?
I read **6:48**
